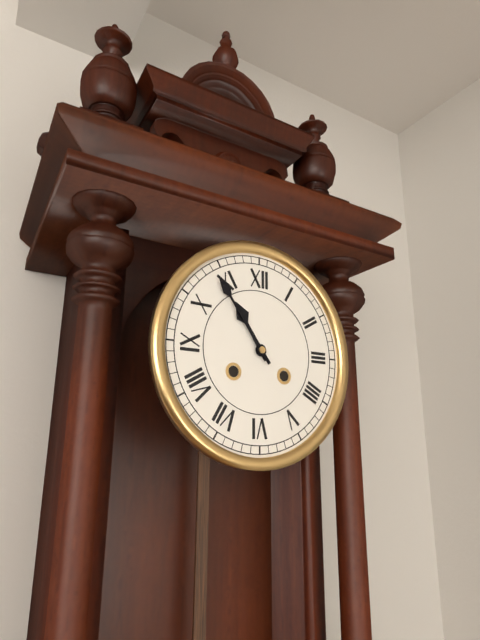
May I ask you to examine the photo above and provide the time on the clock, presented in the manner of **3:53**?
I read **10:54**
